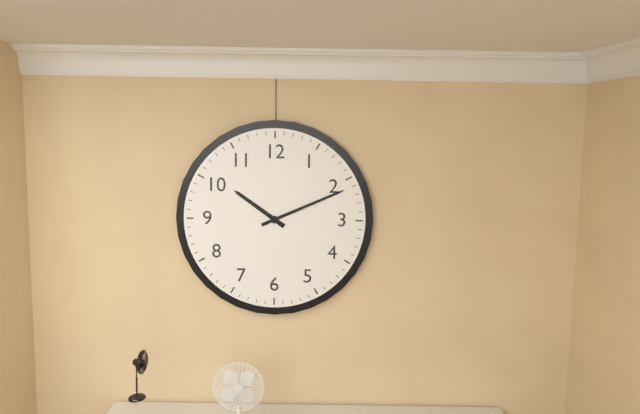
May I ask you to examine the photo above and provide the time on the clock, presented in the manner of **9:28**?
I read **10:11**
